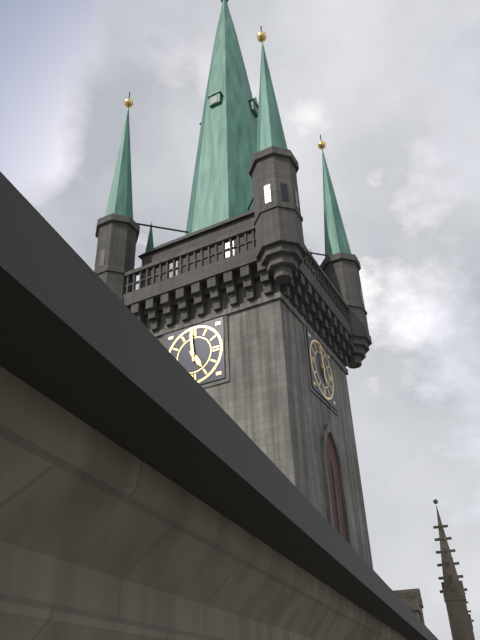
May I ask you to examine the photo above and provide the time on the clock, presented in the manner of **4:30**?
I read **4:59**
